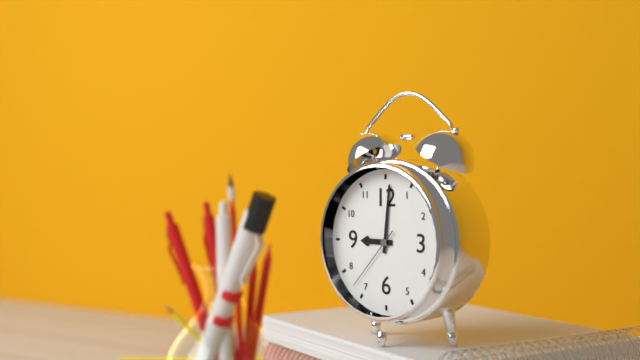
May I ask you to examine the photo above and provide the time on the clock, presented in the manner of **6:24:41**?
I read **9:01:37**
